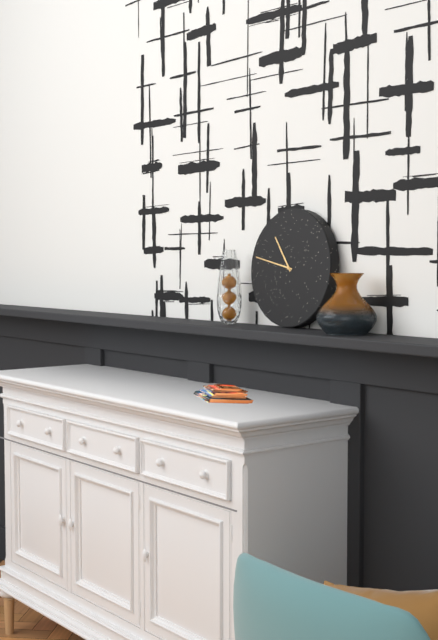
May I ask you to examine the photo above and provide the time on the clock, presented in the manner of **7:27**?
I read **10:47**
